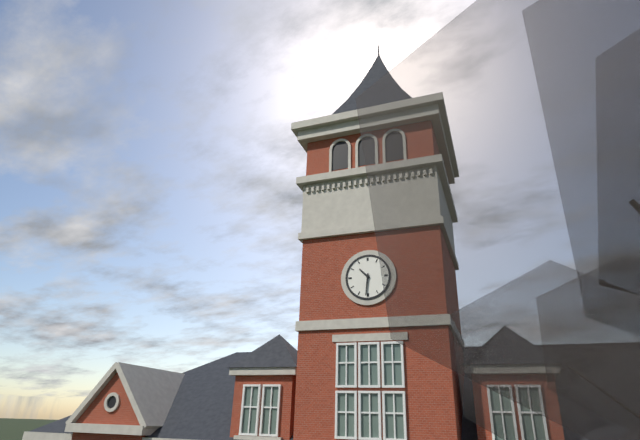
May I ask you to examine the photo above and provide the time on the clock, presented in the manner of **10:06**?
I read **10:31**
